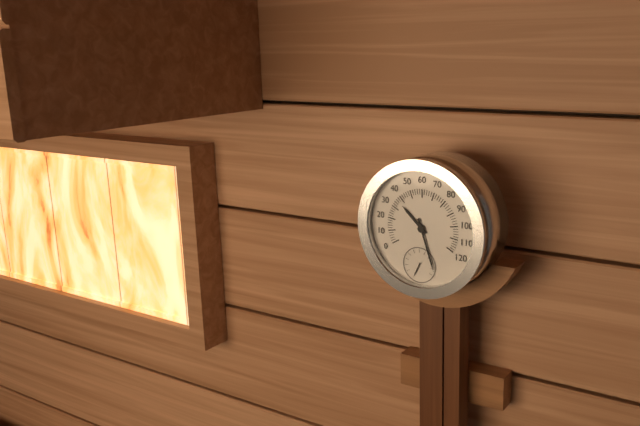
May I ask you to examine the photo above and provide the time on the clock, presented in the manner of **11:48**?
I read **10:27**
